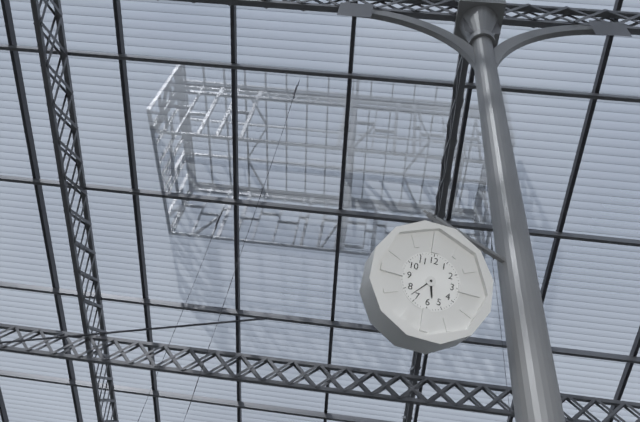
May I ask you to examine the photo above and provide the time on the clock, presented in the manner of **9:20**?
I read **5:37**
